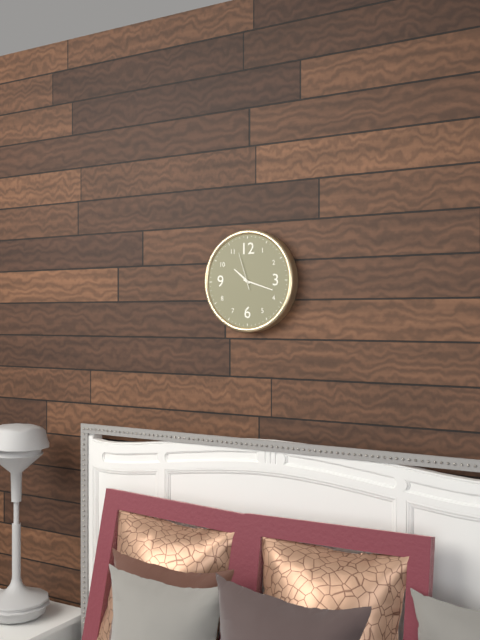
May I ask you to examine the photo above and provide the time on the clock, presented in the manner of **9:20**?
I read **10:18**
